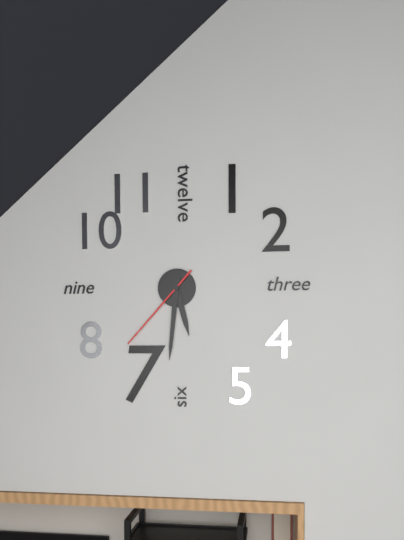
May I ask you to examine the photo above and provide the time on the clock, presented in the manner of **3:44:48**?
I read **5:31:37**
